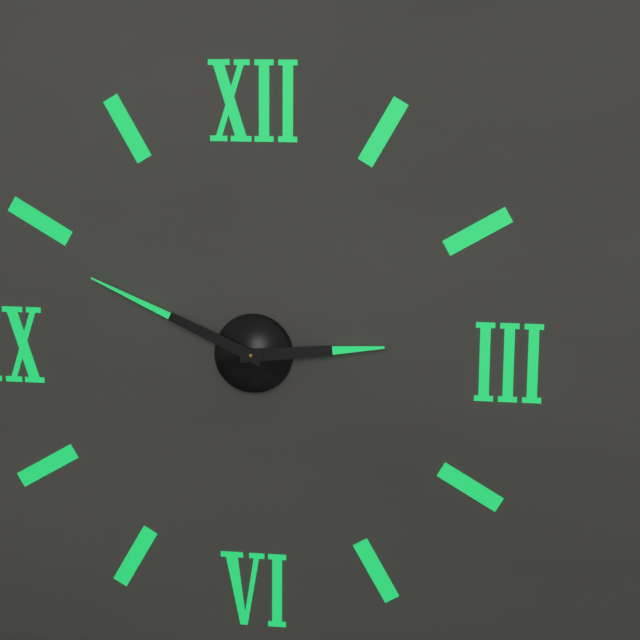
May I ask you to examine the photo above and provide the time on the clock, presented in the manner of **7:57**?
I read **2:49**
